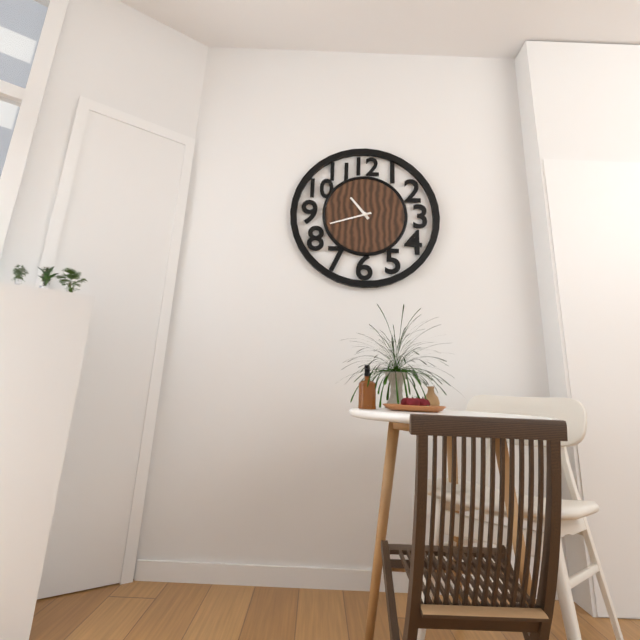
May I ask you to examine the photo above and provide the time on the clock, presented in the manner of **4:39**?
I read **10:42**
